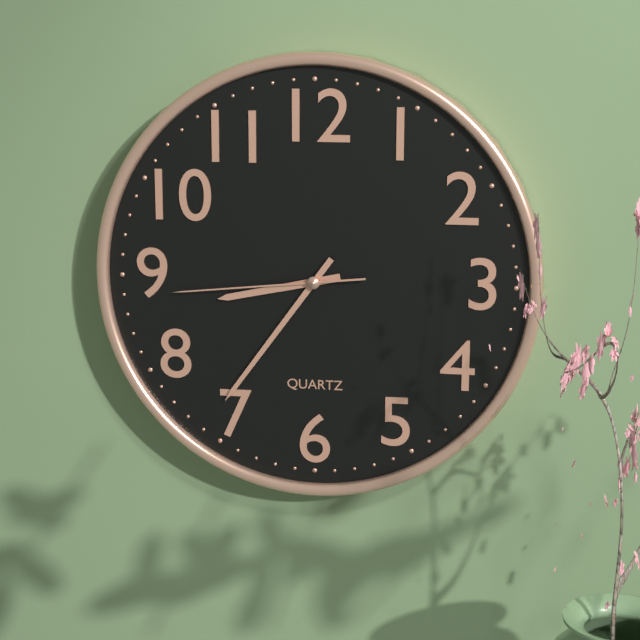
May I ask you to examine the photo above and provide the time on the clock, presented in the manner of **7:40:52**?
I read **8:36:44**
